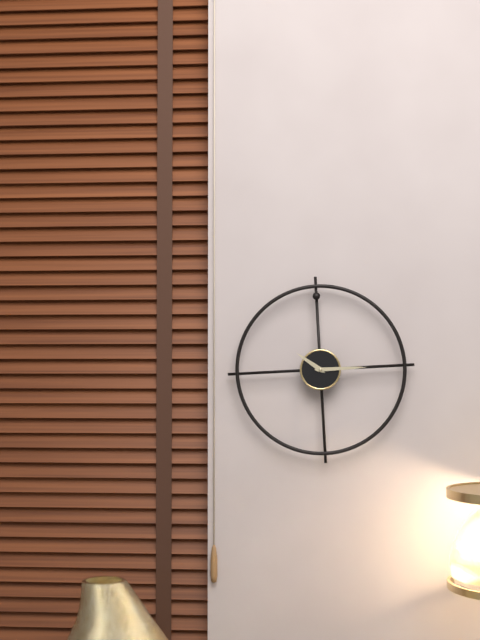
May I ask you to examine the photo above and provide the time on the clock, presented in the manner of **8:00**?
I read **10:15**
